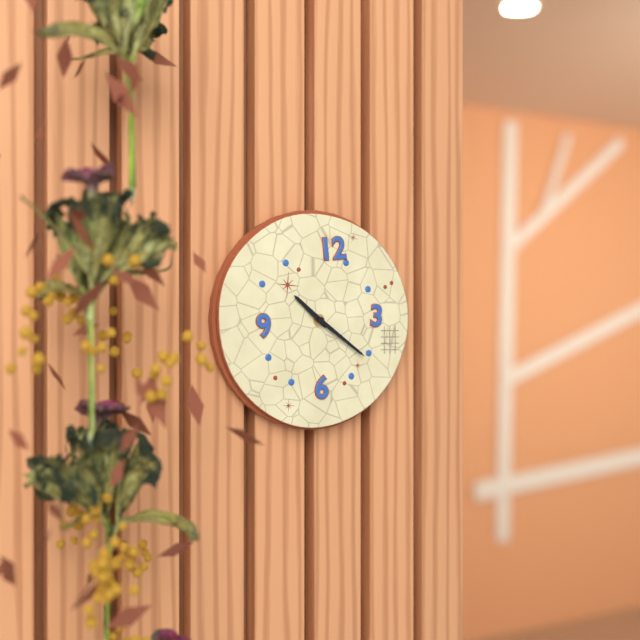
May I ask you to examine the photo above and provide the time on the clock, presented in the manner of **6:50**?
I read **10:21**
